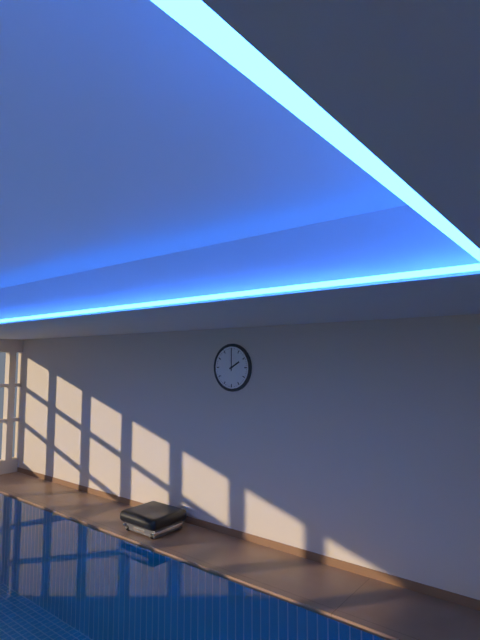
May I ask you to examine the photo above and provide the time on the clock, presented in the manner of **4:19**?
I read **2:00**
